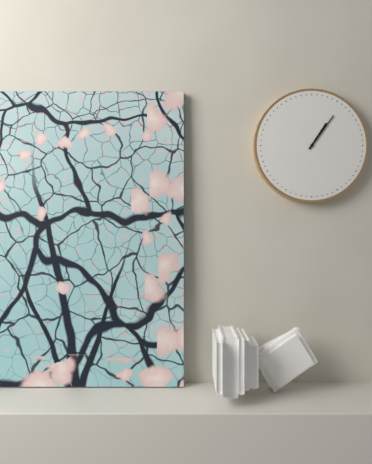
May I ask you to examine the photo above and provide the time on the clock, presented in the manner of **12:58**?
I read **1:06**
